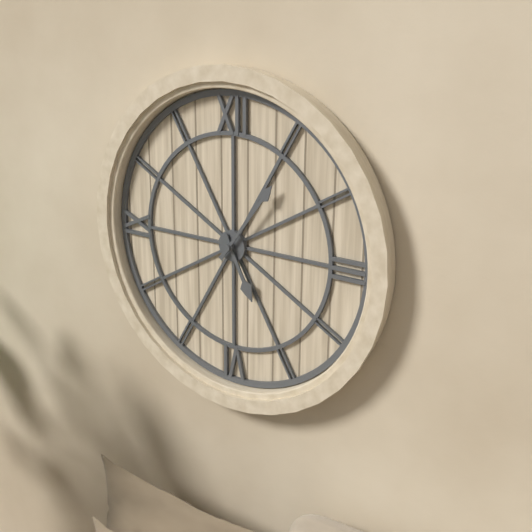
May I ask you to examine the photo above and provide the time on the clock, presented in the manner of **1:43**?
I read **5:06**
